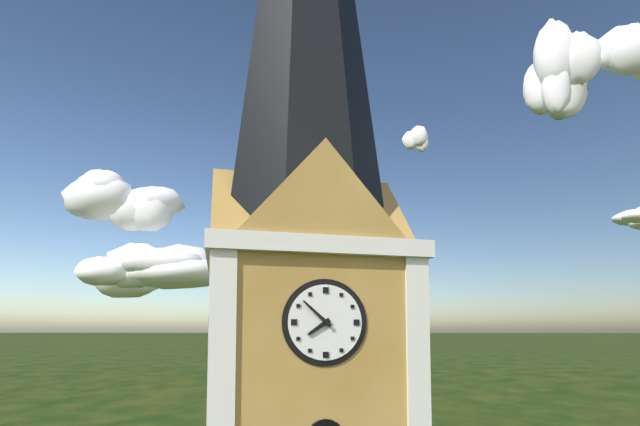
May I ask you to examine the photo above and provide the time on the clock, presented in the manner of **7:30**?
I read **7:52**
